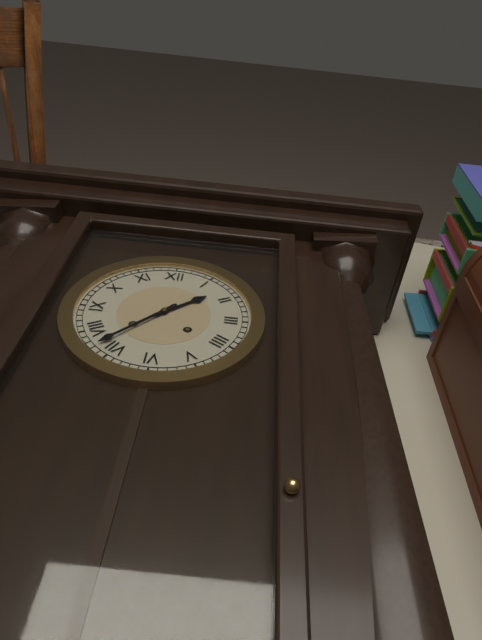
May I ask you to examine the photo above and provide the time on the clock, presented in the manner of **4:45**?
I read **1:37**
